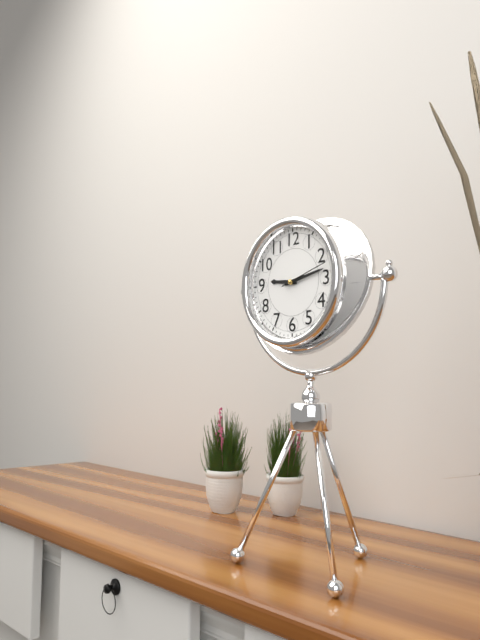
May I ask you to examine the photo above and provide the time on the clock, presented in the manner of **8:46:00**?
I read **9:13:12**
